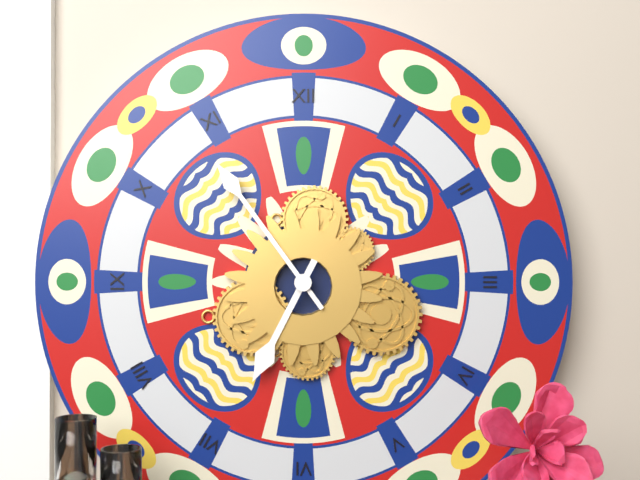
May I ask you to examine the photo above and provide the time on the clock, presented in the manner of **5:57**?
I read **6:54**
